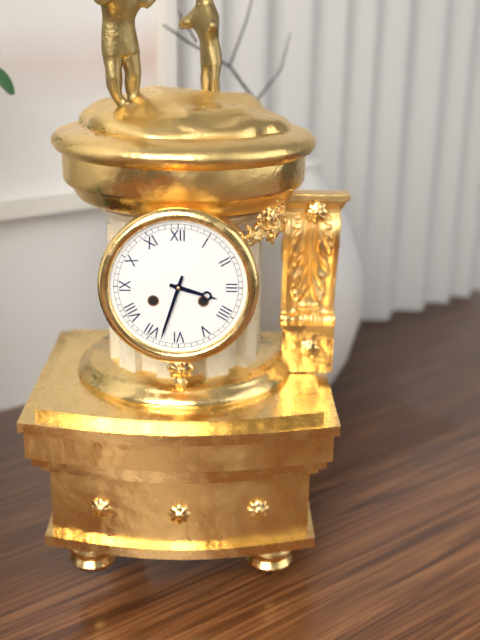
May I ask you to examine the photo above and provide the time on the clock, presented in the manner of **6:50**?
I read **3:33**
